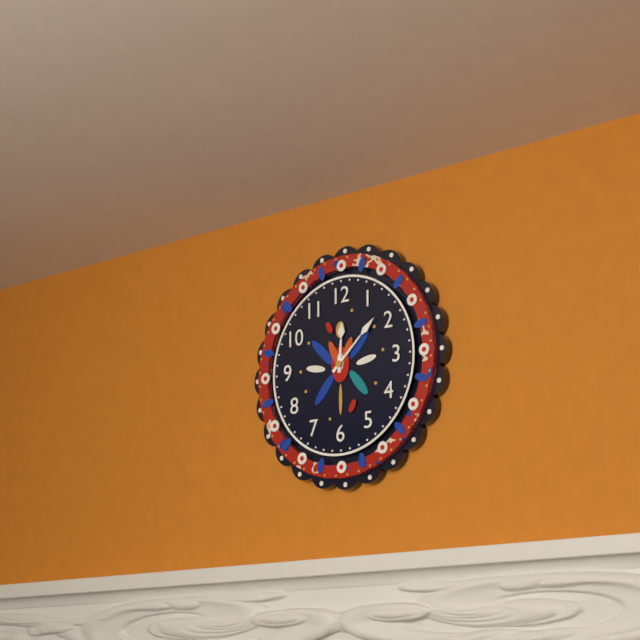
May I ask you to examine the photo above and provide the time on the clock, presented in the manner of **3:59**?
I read **12:08**
